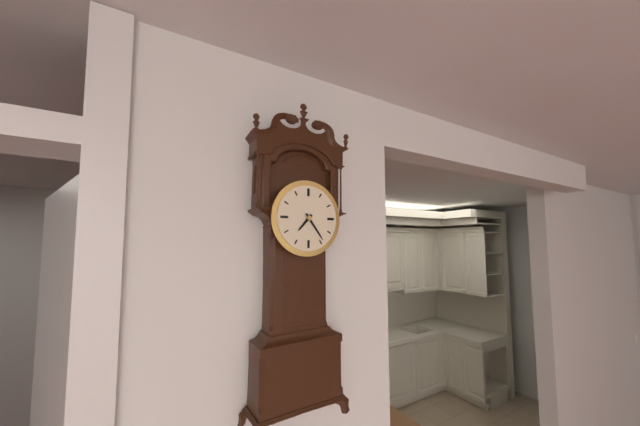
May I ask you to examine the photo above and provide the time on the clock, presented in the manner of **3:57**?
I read **7:24**
